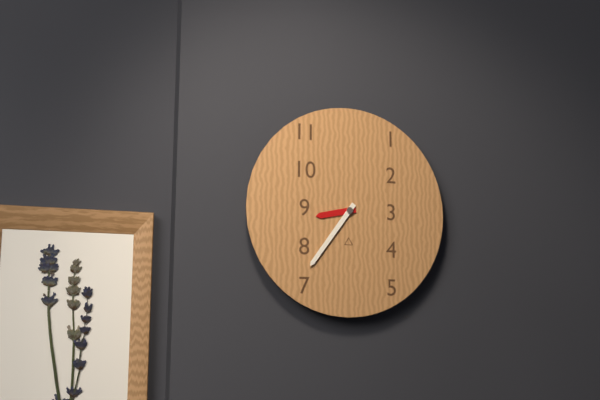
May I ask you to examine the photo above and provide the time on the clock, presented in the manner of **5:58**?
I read **8:36**
